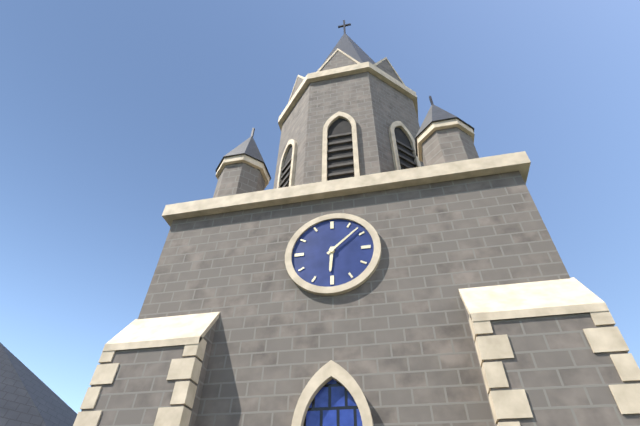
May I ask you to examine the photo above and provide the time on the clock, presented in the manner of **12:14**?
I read **6:08**
